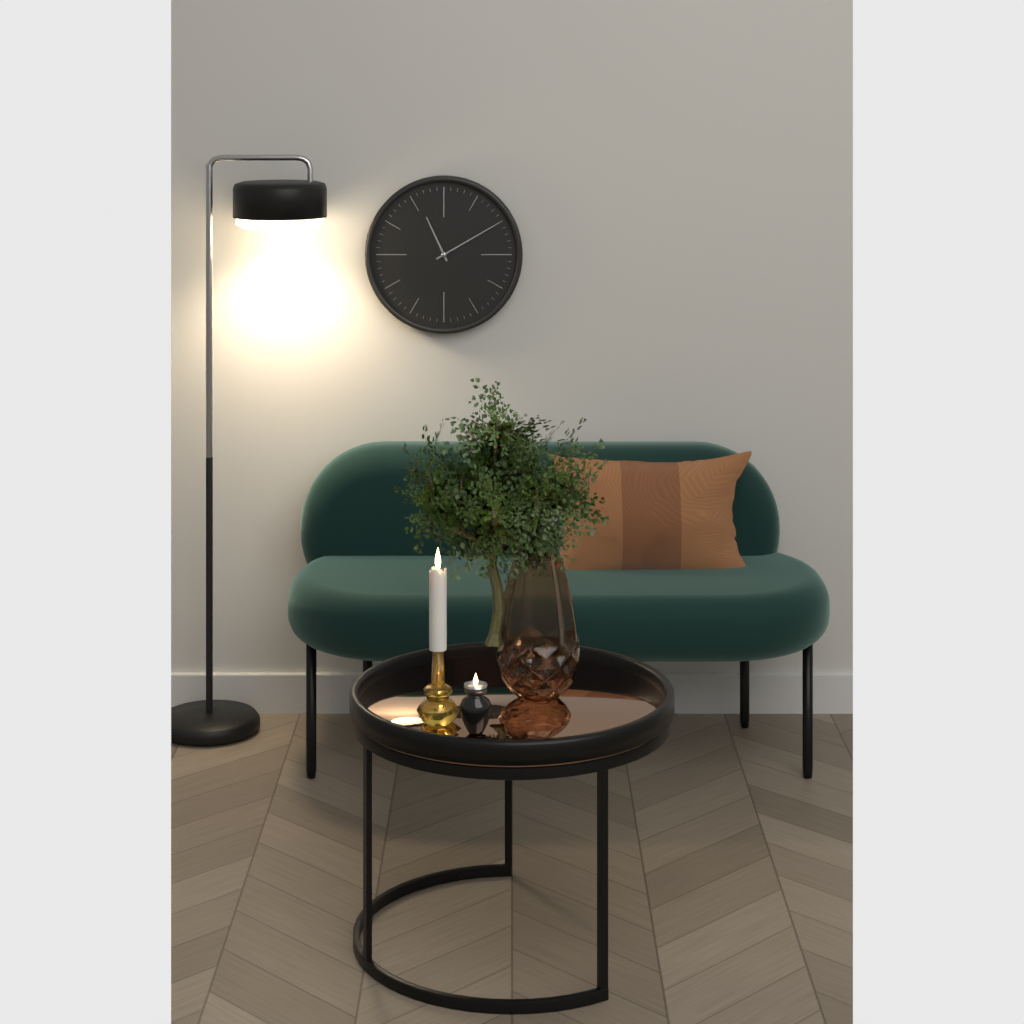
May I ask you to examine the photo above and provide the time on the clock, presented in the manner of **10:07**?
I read **11:10**
